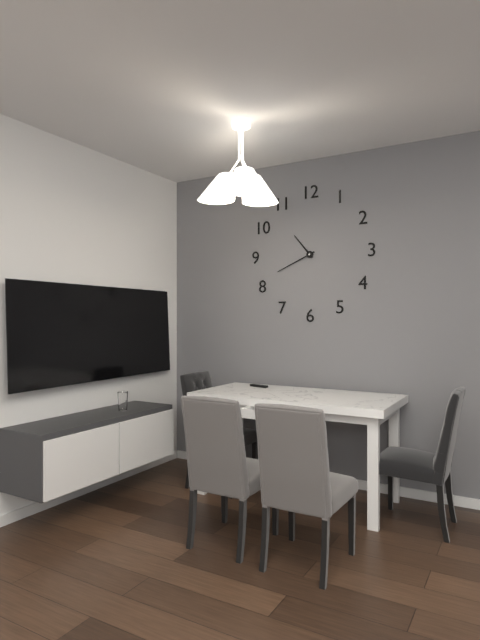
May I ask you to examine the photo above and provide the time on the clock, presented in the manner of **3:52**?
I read **10:41**
